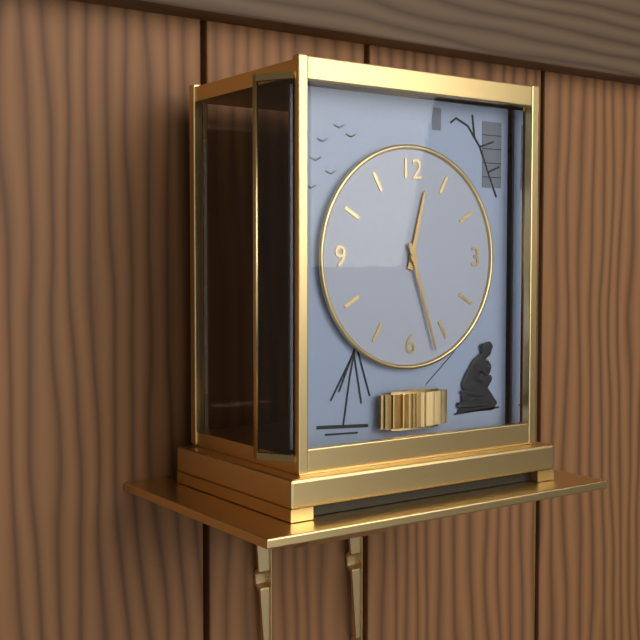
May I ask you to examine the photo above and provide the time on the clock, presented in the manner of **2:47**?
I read **12:27**
